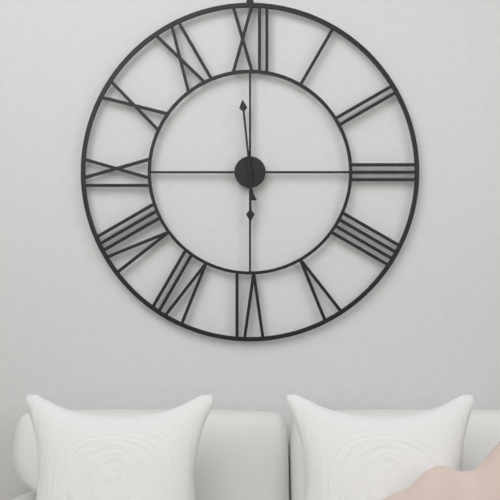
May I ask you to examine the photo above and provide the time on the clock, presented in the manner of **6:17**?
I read **5:59**
